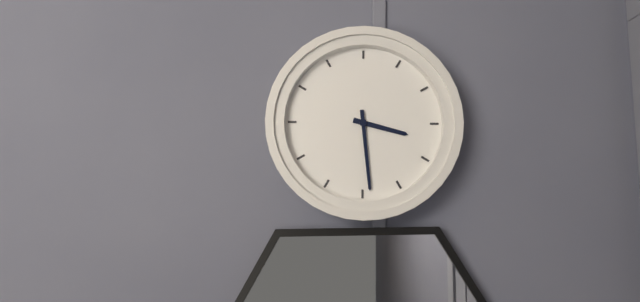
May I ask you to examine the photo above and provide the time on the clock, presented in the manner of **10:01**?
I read **3:29**
